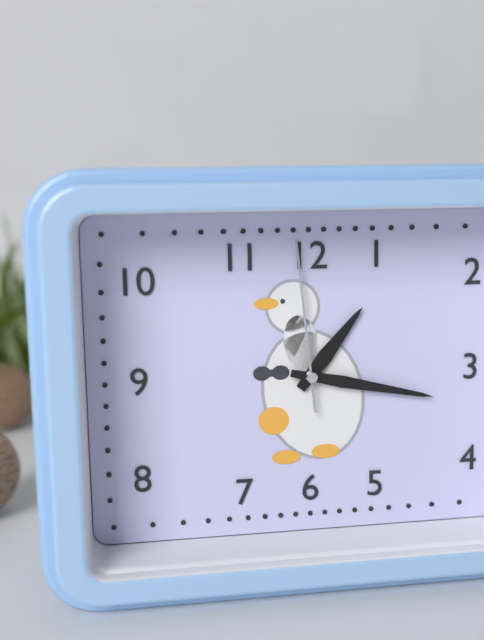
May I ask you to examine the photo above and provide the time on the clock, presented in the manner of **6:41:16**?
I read **1:17:59**
